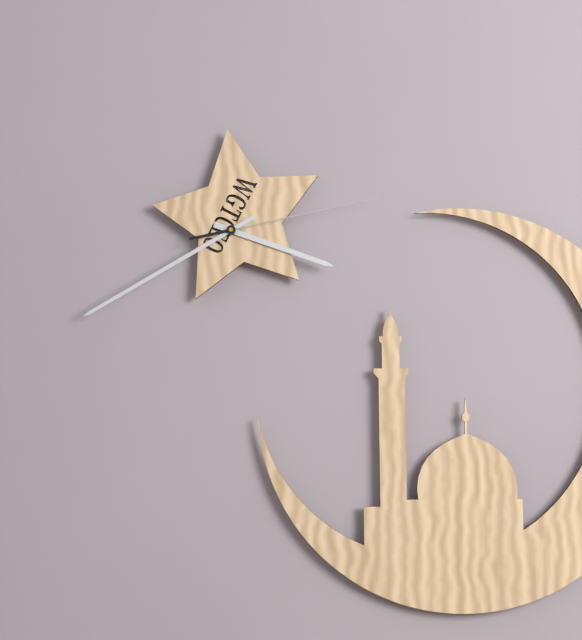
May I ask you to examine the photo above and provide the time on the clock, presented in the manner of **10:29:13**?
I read **3:40:13**
